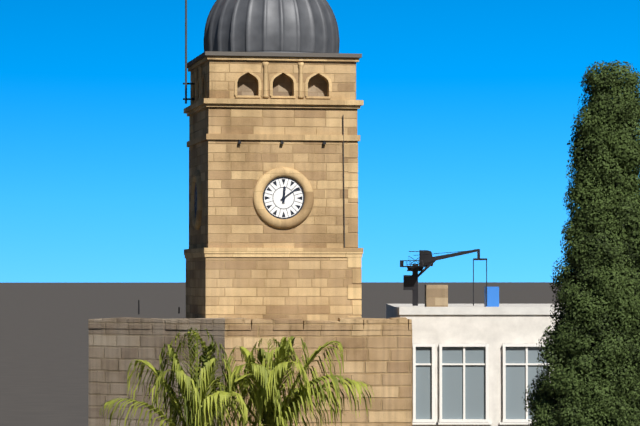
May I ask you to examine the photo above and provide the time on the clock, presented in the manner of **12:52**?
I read **12:09**
